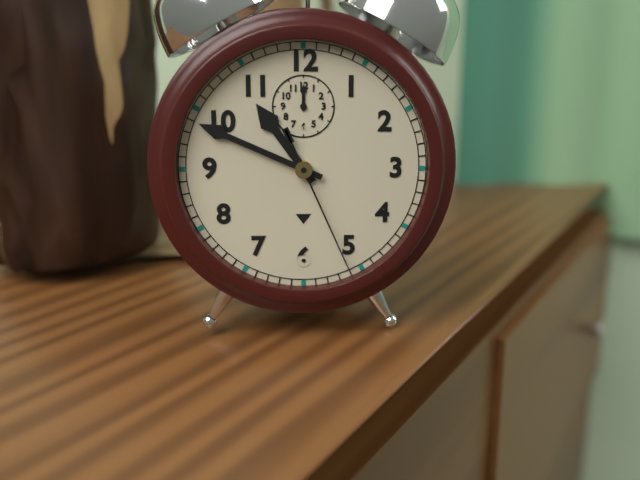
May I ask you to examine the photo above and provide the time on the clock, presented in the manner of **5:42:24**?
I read **10:49:26**
